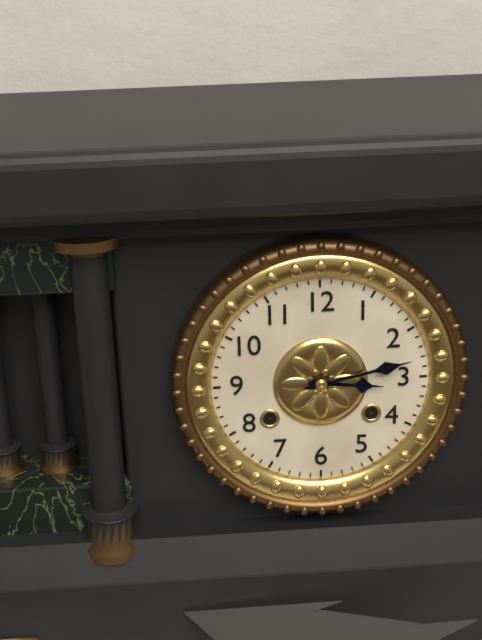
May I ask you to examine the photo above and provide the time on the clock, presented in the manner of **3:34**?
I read **3:13**
